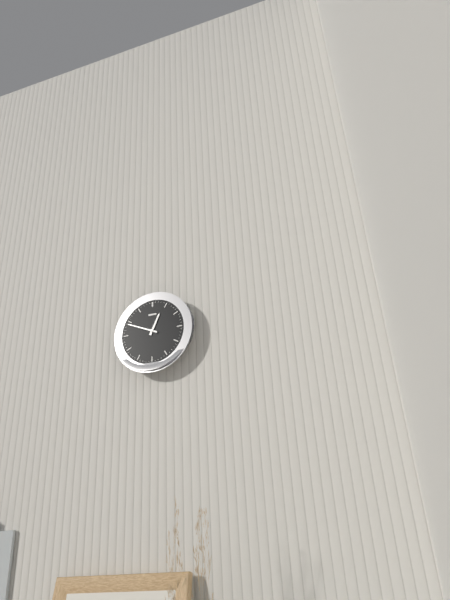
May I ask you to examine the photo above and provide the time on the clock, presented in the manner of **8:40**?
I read **12:49**
